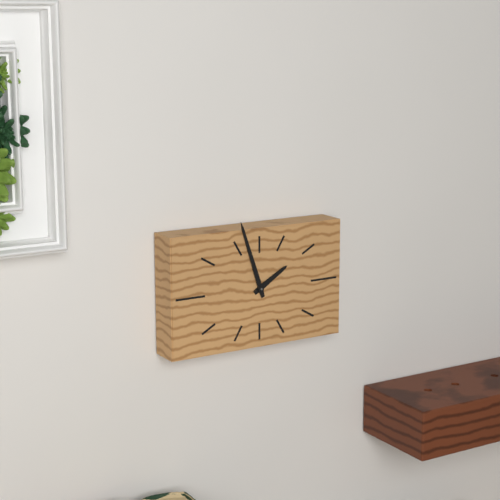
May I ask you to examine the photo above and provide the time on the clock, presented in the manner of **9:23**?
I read **1:57**
